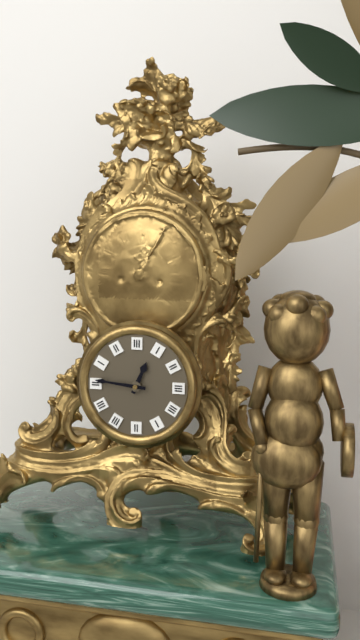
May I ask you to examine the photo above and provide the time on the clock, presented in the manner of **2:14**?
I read **12:46**
